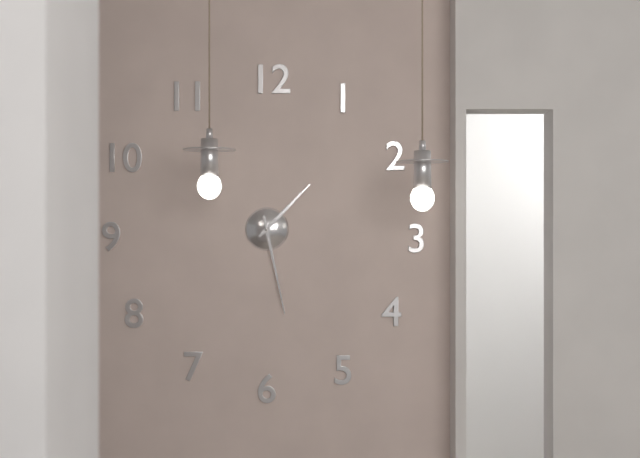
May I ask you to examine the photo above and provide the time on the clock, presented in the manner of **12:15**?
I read **1:28**
